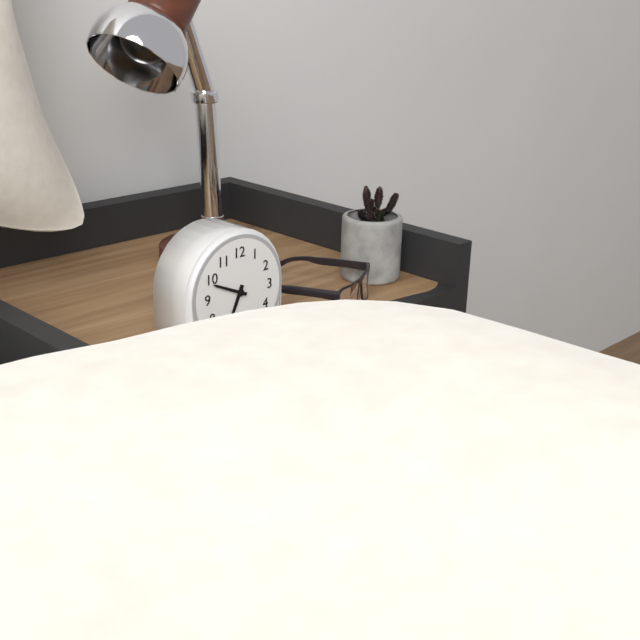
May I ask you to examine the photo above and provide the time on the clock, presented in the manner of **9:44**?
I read **6:49**
